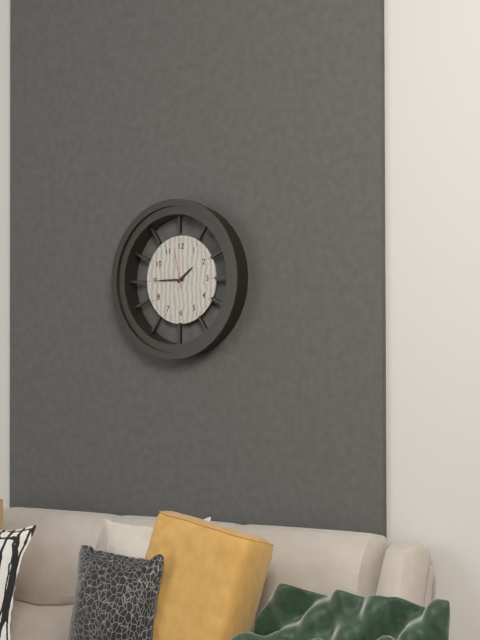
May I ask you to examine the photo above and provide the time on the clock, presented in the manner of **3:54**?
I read **1:45**
